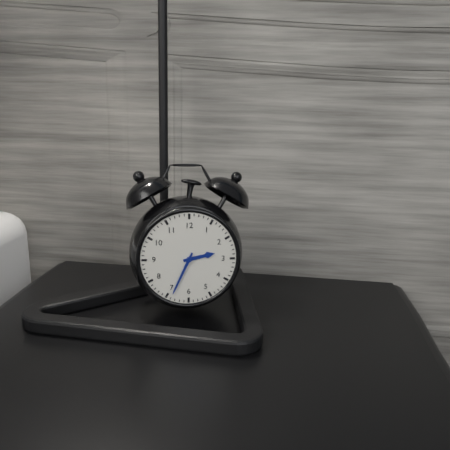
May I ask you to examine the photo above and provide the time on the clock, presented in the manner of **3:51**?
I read **2:34**
